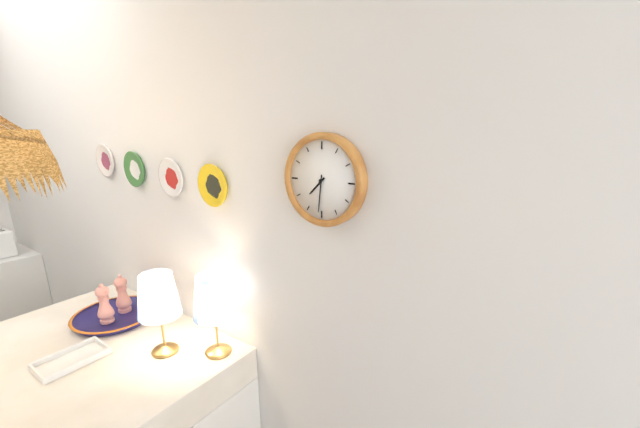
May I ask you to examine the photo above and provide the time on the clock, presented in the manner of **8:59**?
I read **7:31**
